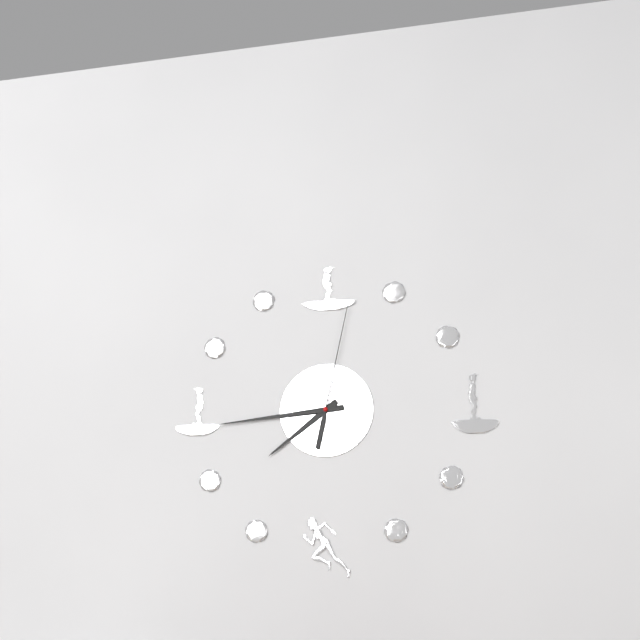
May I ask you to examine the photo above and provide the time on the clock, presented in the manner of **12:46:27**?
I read **7:44:02**
